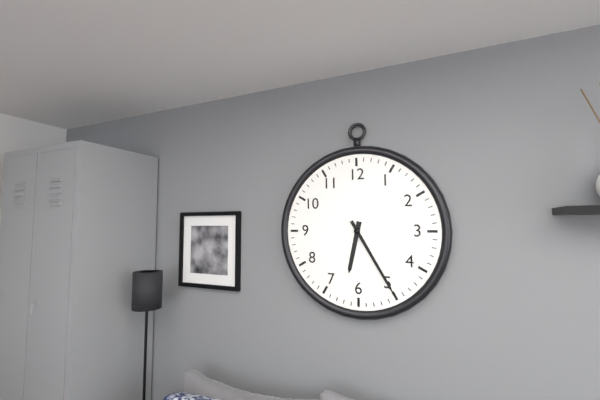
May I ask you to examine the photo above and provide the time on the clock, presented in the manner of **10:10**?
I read **6:25**
